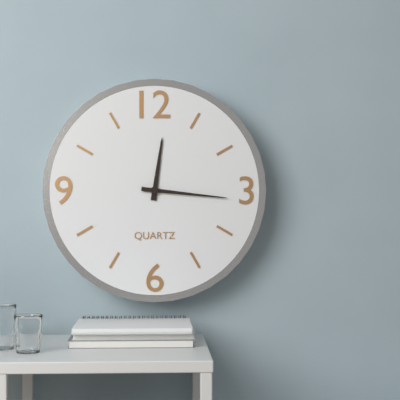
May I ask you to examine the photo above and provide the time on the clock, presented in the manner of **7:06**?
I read **12:16**
